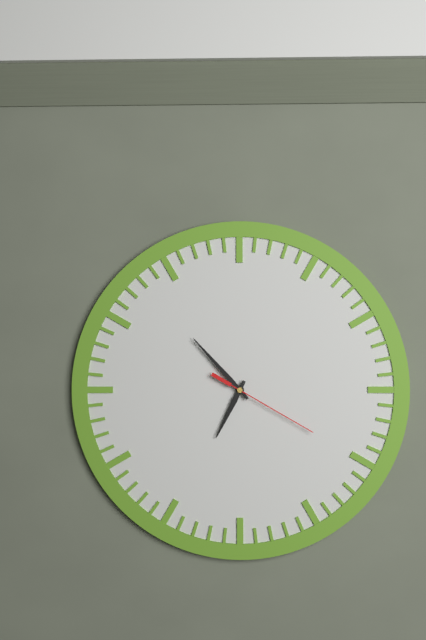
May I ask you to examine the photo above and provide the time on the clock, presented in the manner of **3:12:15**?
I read **6:53:20**
